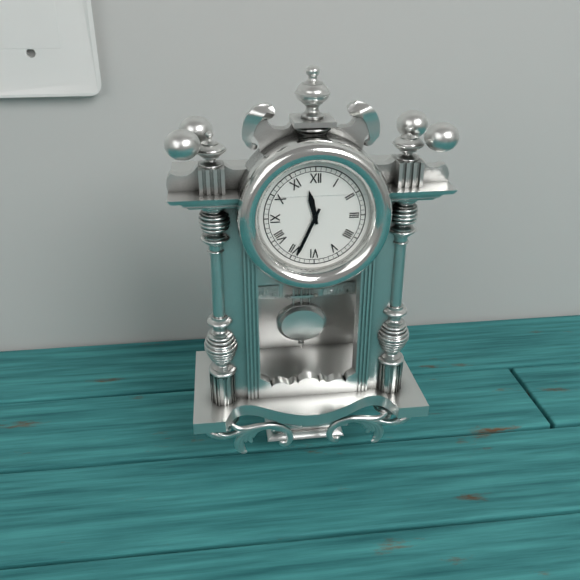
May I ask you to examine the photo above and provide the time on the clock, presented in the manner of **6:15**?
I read **11:34**
